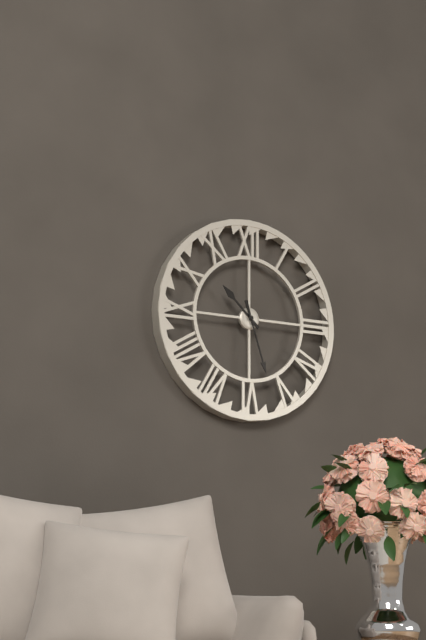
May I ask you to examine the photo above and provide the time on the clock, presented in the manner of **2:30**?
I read **10:27**
